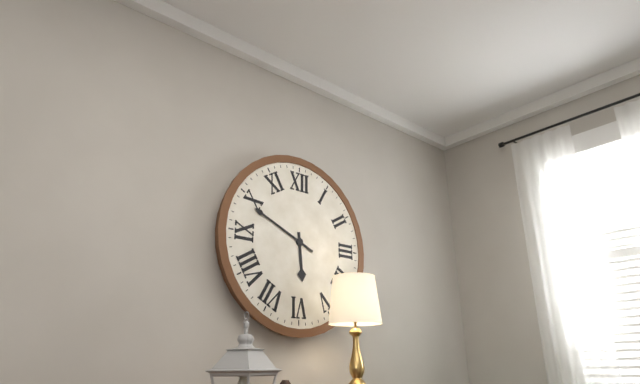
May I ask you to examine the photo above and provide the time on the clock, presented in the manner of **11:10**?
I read **5:49**
